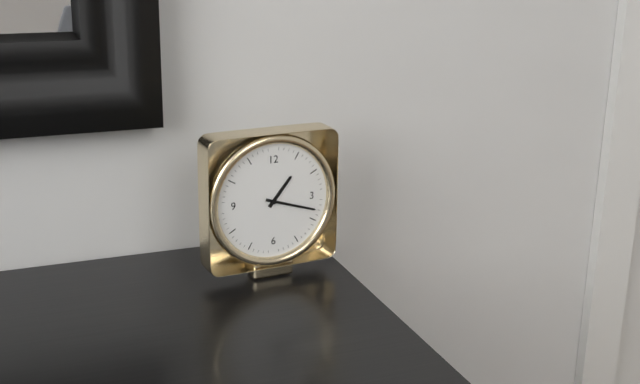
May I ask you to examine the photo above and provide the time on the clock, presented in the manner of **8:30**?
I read **1:18**
